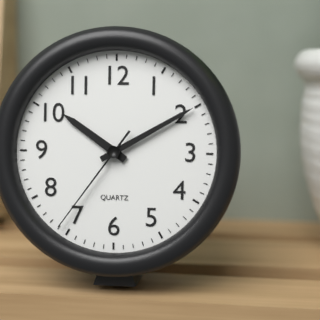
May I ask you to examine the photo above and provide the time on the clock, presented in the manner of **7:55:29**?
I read **10:10:36**
